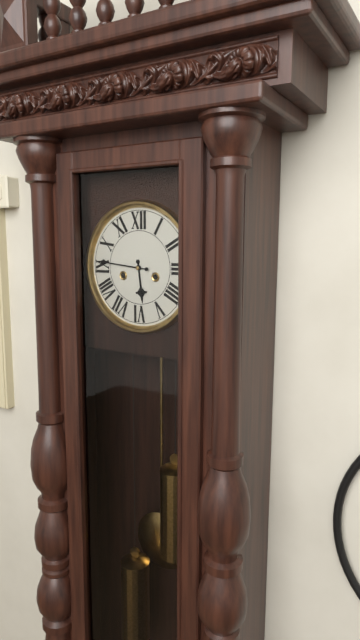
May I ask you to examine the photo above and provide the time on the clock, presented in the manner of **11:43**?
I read **5:46**
